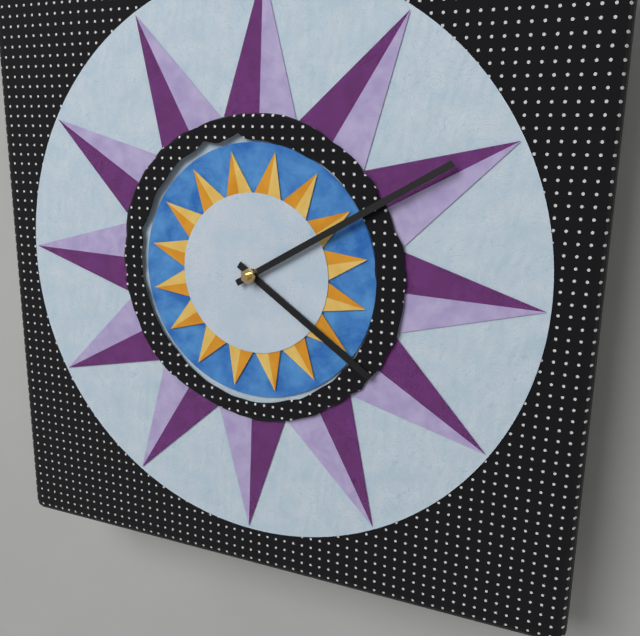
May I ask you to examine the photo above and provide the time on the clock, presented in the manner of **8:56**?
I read **4:10**
